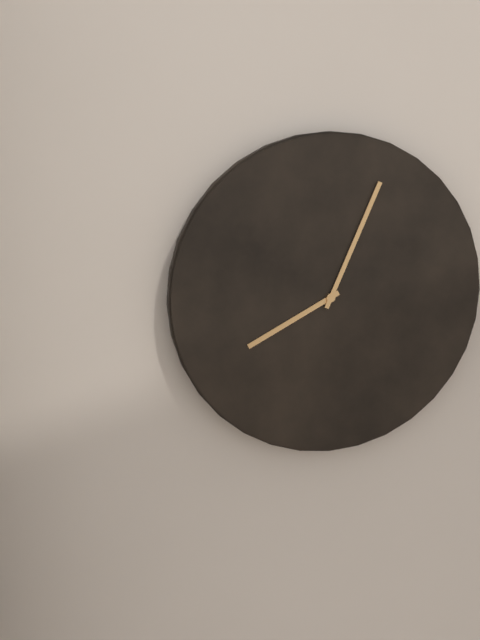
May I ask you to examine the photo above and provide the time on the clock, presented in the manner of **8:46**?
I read **8:04**
